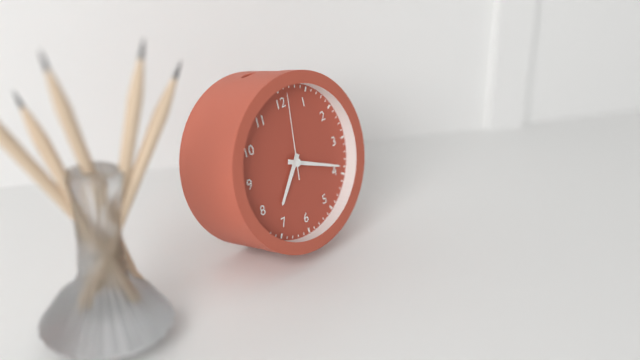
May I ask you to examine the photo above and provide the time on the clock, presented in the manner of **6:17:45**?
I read **7:19:01**
